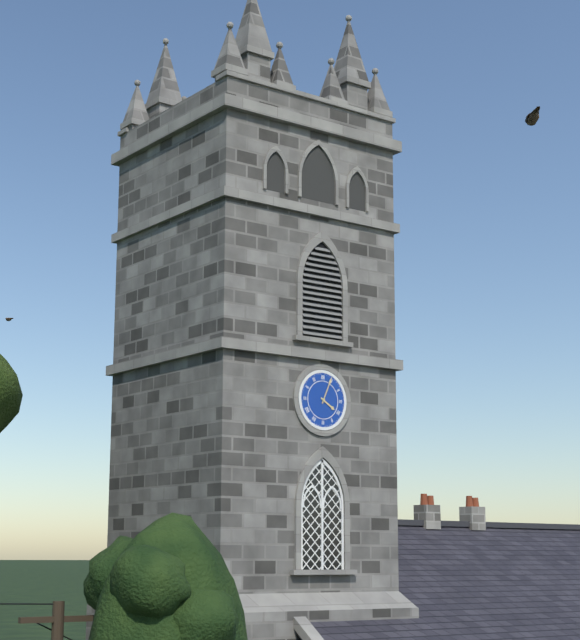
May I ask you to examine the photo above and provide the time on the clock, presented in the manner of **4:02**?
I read **4:04**
